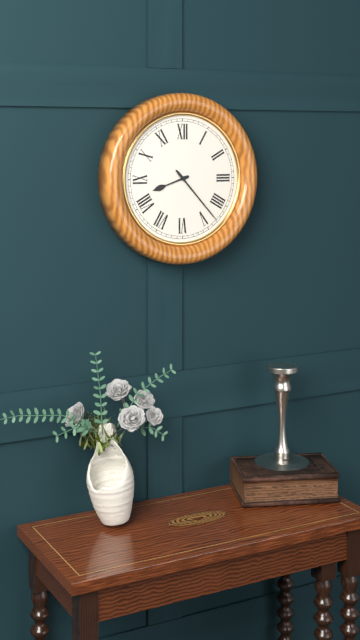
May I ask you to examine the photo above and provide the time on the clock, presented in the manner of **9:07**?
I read **8:23**
